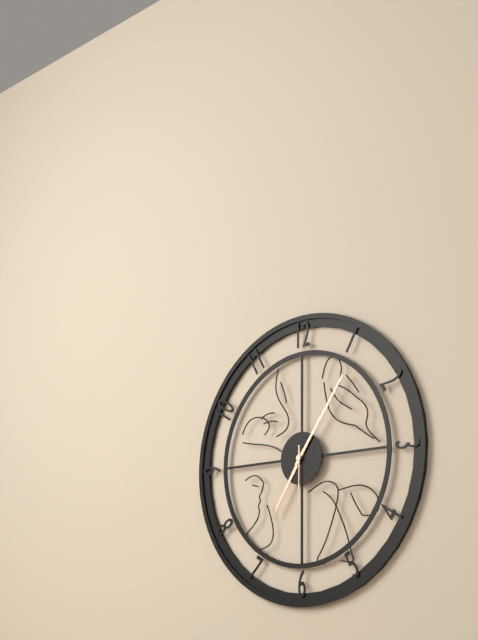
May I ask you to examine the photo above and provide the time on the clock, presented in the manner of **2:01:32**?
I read **7:06:30**
